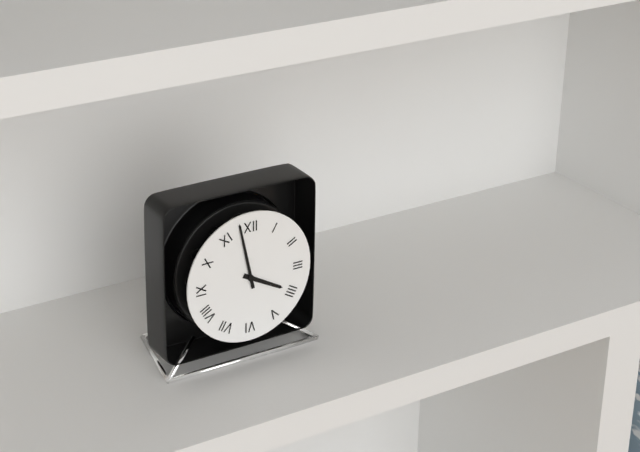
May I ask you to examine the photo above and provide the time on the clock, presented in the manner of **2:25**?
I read **3:58**
